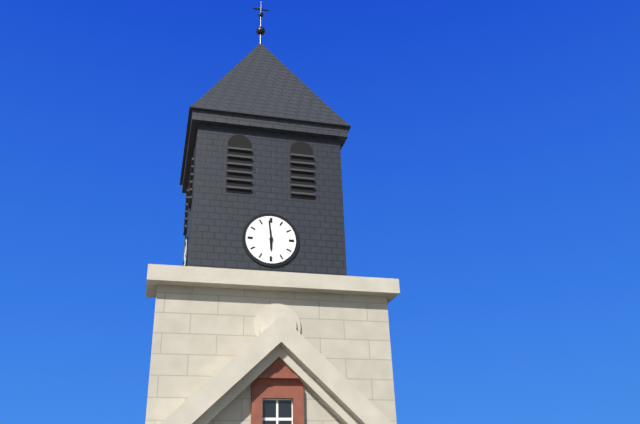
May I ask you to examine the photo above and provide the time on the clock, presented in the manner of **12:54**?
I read **5:59**
